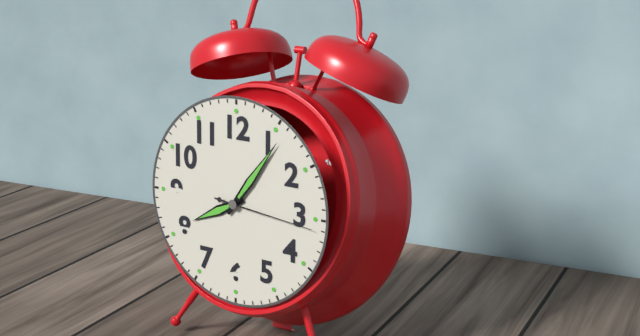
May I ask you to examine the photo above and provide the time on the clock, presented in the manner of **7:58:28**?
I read **8:06:16**
